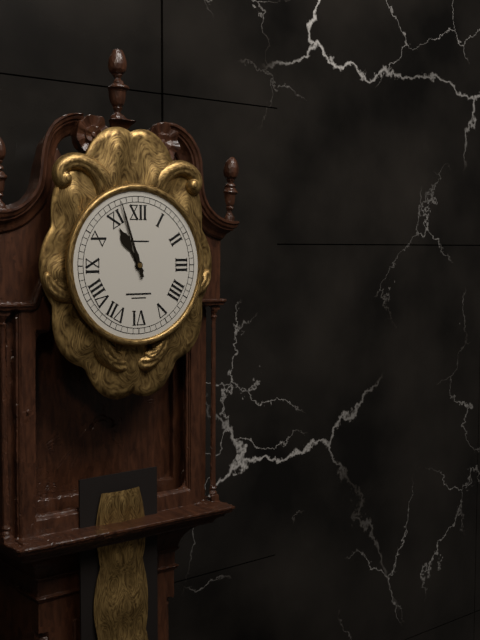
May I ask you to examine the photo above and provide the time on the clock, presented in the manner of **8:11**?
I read **10:57**
